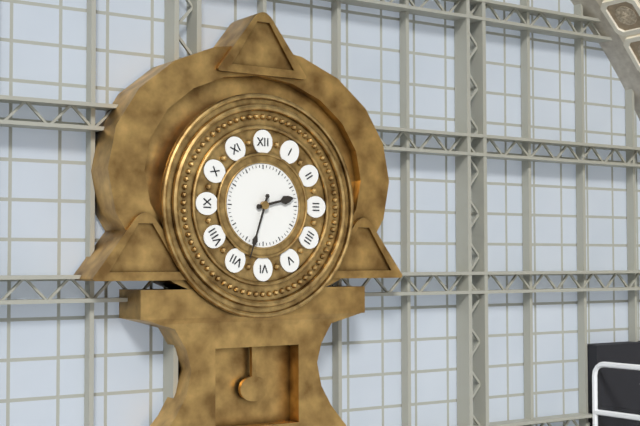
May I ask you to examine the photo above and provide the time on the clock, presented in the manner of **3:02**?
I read **2:33**
